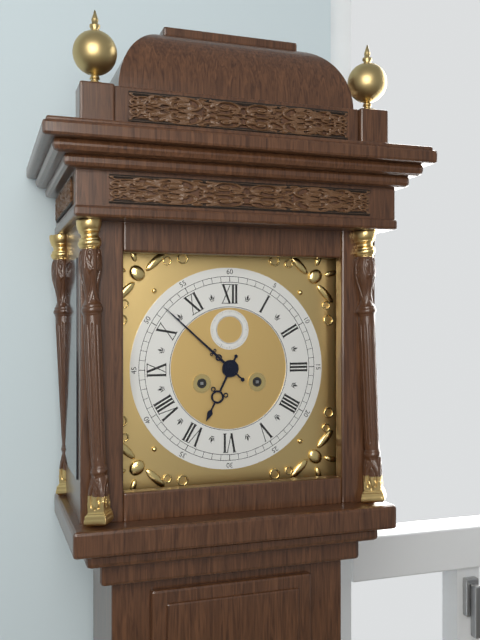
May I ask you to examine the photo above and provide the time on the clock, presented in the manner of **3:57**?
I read **6:52**
